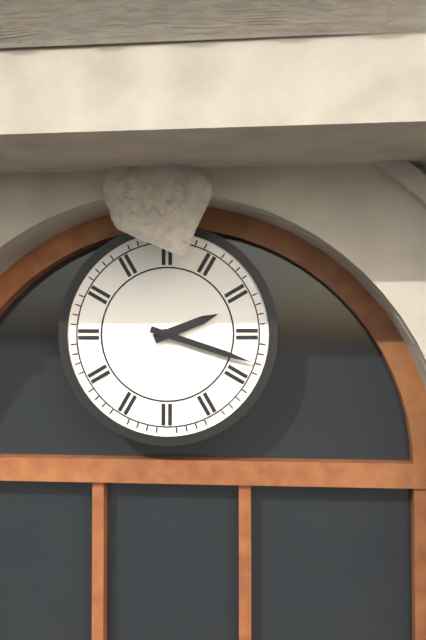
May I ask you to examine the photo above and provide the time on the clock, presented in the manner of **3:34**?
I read **2:18**
